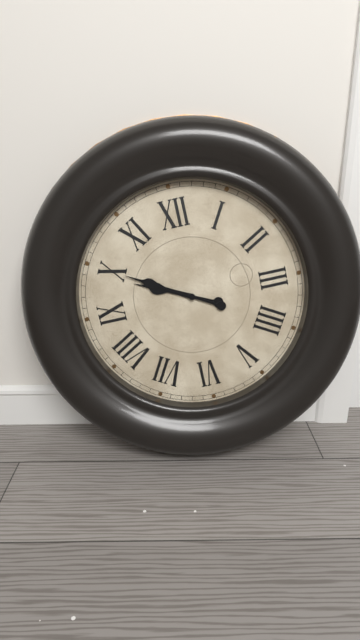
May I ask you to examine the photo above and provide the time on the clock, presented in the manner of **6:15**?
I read **9:50**
